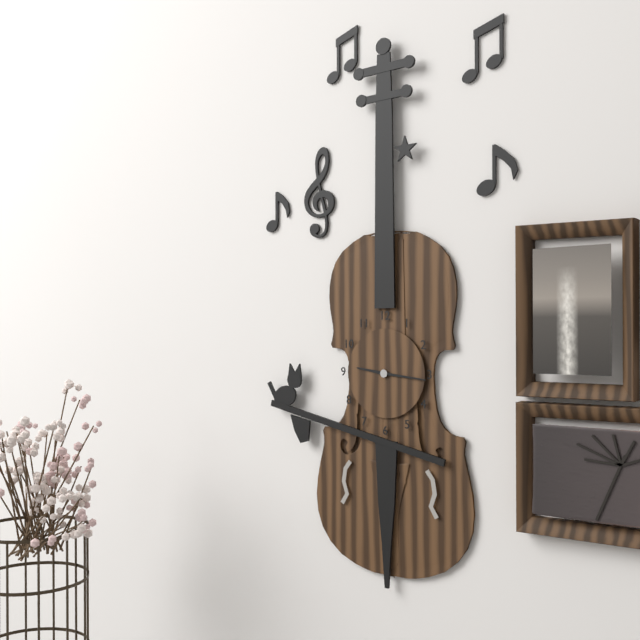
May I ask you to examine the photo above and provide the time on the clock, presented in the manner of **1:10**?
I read **9:16**
